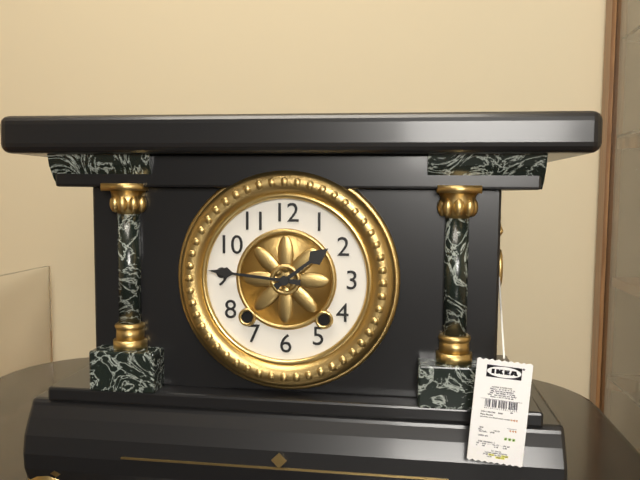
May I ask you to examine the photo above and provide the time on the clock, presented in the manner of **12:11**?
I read **1:46**
